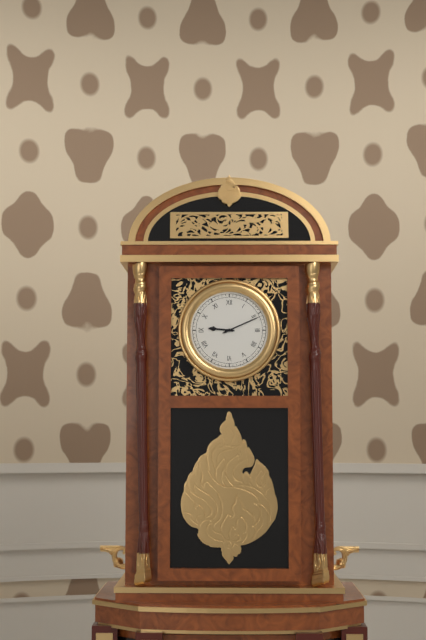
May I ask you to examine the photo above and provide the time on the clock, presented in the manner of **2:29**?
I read **9:11**
